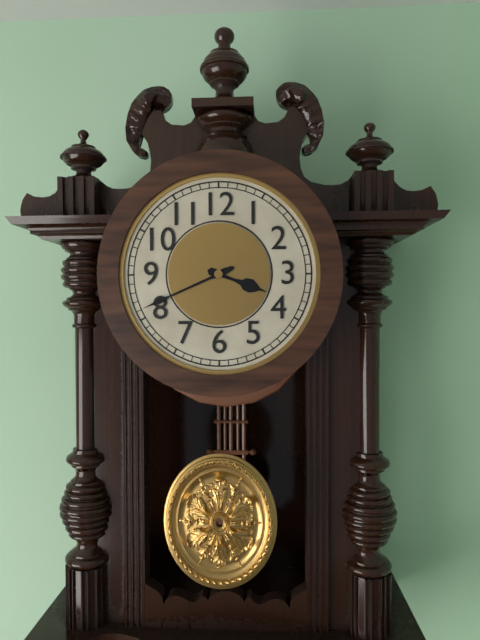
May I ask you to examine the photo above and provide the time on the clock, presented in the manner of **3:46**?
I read **3:41**
